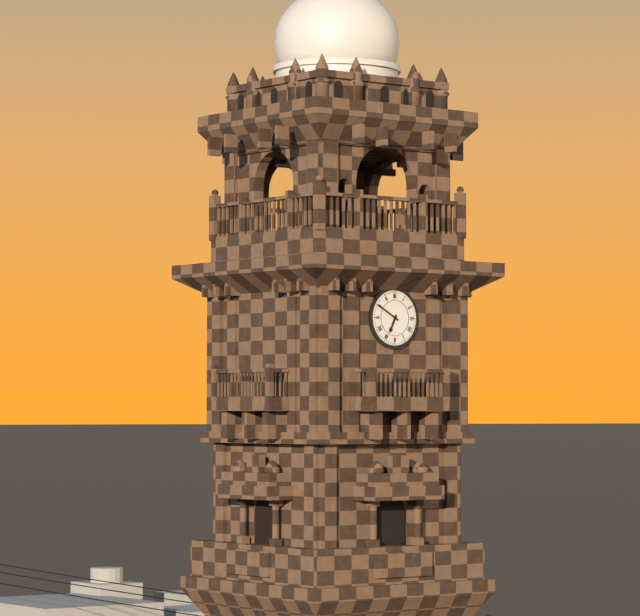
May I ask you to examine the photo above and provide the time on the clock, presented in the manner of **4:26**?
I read **6:50**
